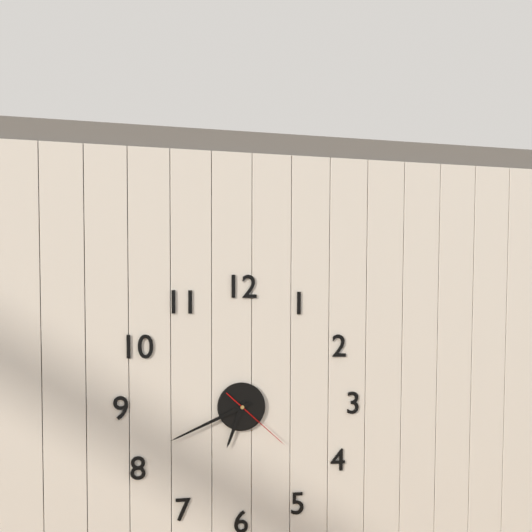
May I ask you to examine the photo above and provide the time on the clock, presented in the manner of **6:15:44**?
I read **6:41:22**
